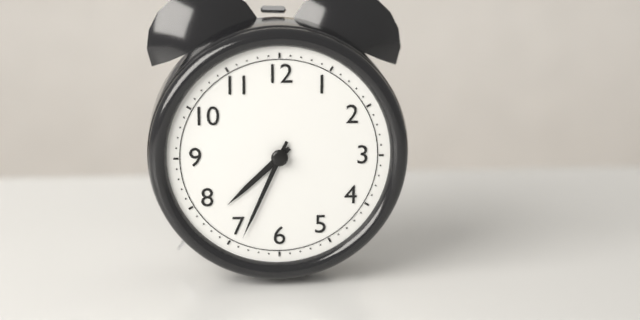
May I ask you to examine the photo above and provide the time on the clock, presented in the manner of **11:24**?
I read **7:34**
